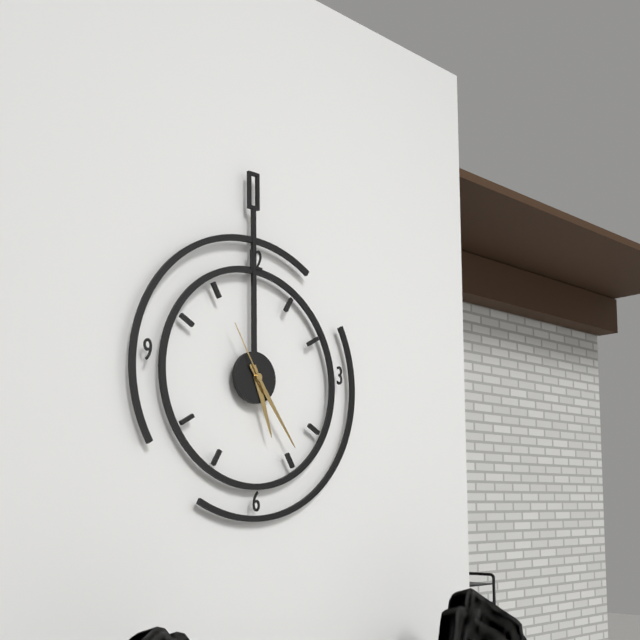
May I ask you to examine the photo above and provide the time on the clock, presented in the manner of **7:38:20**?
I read **5:24:55**
